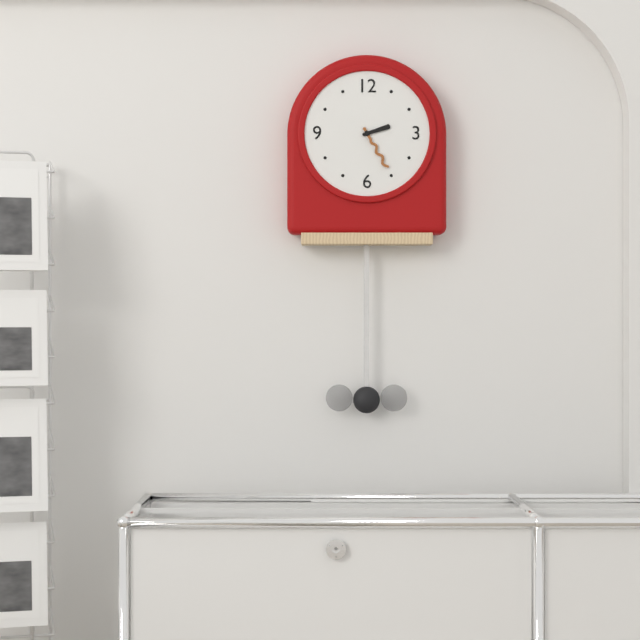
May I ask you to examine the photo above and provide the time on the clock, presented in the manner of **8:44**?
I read **2:25**
